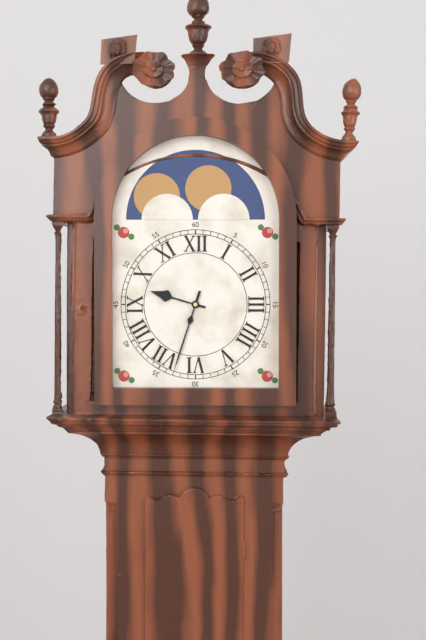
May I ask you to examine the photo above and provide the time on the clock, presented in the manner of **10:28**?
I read **9:33**
